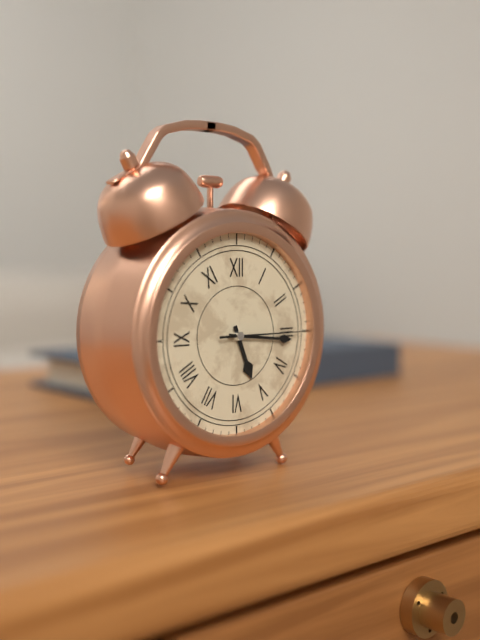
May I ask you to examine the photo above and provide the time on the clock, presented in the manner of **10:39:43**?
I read **5:16:15**
